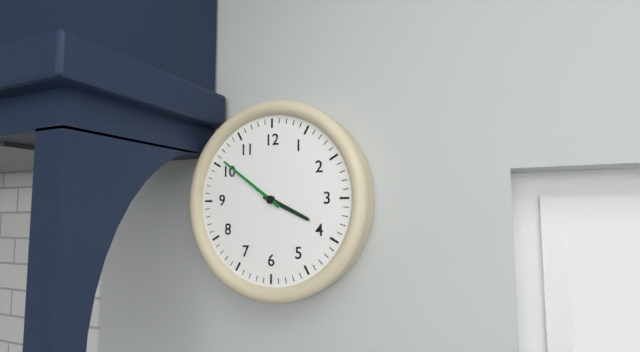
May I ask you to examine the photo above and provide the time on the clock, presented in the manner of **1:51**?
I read **3:51**
